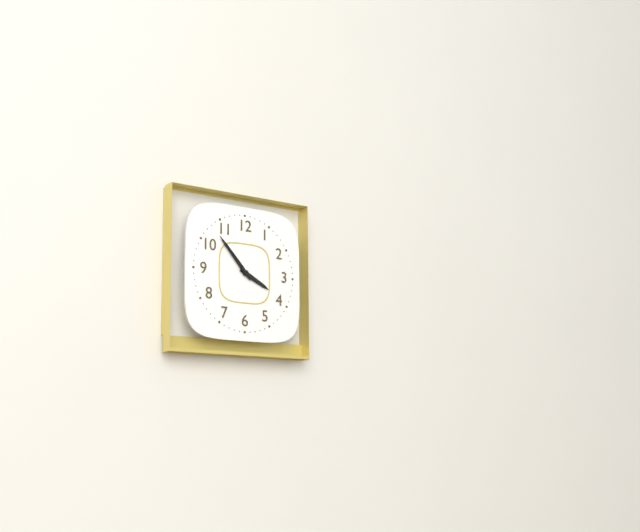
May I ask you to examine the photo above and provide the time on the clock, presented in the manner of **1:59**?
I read **3:53**
